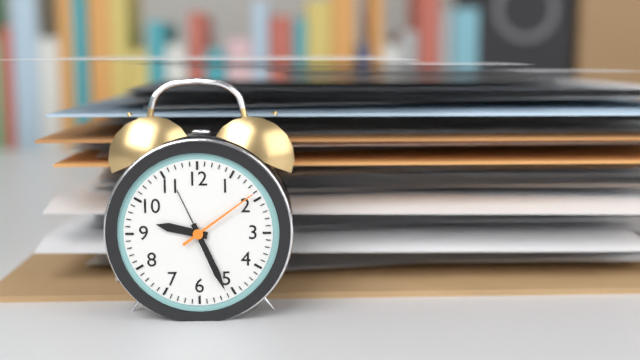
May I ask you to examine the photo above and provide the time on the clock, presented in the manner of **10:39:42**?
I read **9:26:09**
